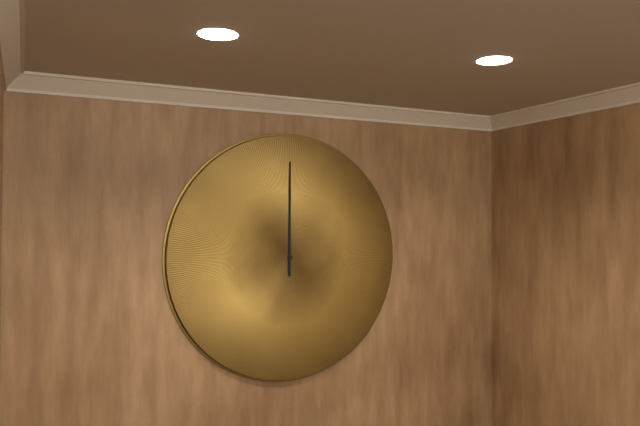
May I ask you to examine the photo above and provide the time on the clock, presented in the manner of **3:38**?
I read **12:00**
